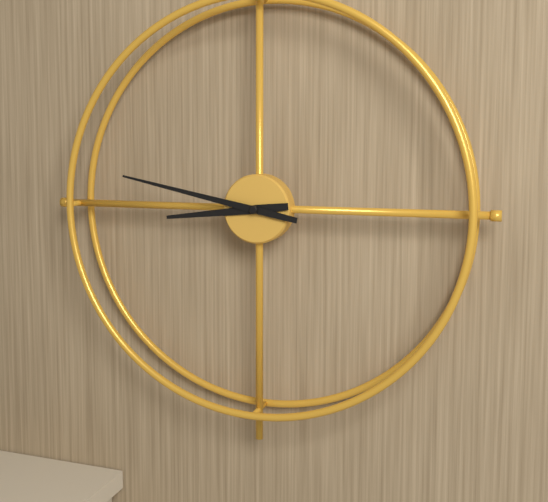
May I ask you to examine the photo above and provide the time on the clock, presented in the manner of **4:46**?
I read **8:47**
